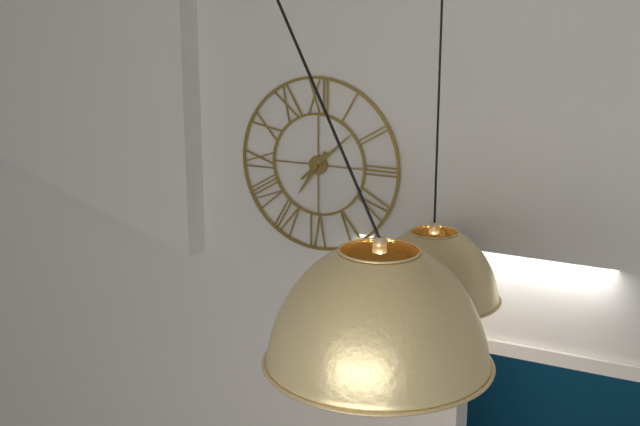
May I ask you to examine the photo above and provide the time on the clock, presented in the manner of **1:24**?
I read **7:08**
